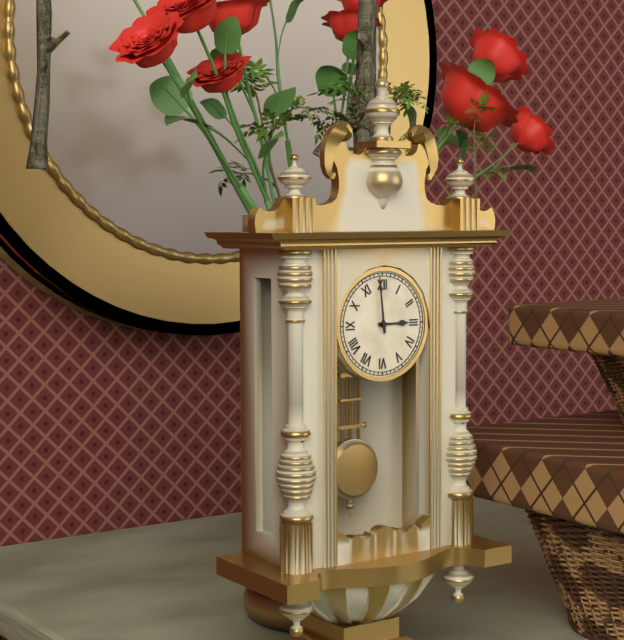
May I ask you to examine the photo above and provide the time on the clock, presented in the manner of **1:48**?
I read **2:59**
